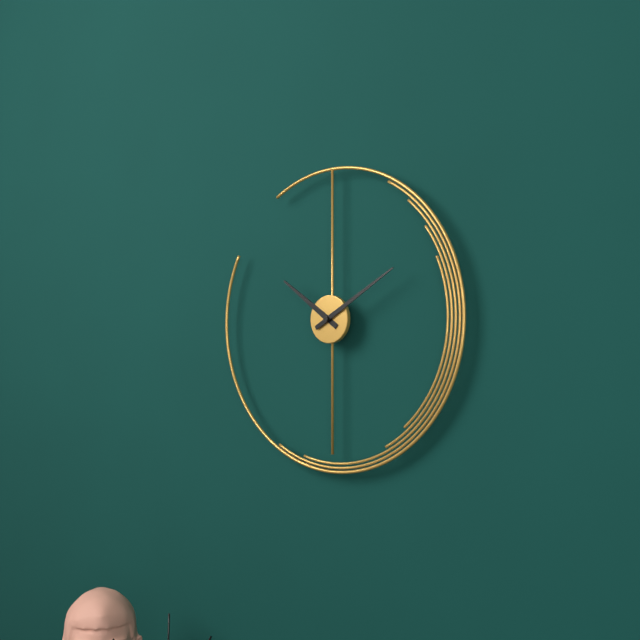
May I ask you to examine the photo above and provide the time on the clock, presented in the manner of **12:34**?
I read **10:10**
